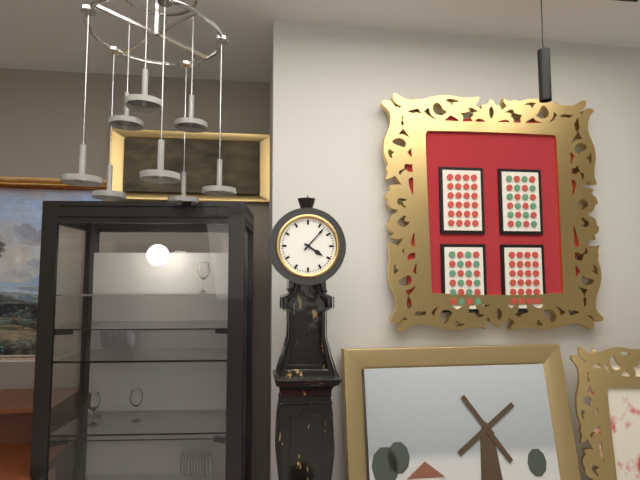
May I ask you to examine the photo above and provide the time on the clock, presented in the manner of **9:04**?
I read **4:07**
